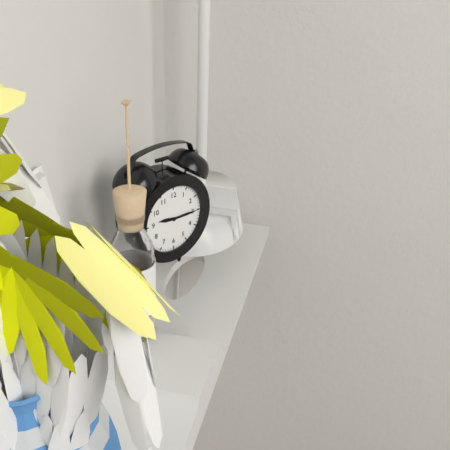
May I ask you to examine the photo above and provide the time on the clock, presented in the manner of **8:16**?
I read **9:15**
